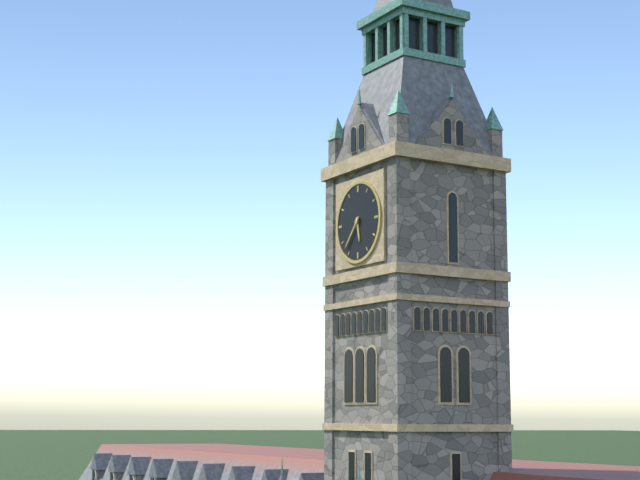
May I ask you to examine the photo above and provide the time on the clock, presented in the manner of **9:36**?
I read **5:37**
